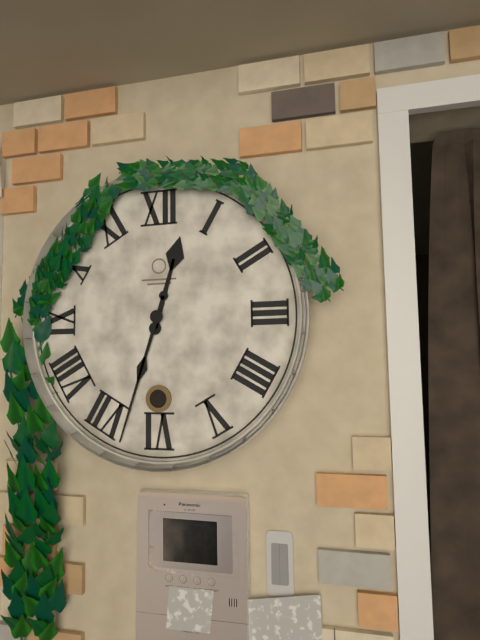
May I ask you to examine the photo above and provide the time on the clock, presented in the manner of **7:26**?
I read **12:33**
